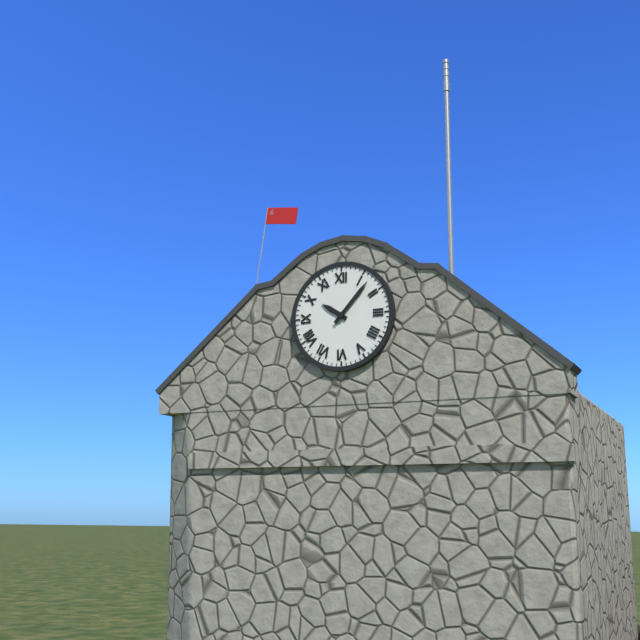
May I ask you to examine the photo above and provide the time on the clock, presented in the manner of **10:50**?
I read **10:07**
